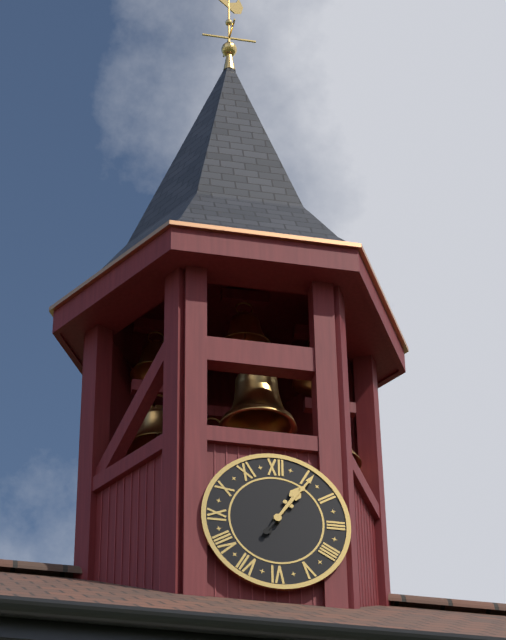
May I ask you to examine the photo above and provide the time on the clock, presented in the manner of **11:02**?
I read **1:06**
